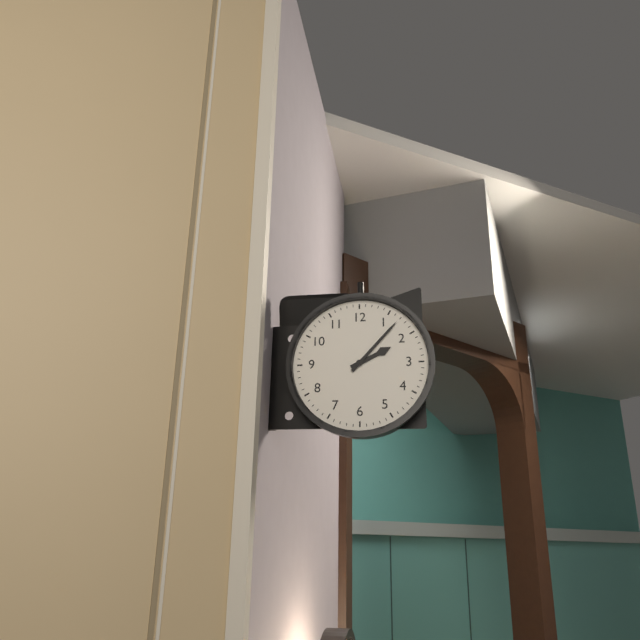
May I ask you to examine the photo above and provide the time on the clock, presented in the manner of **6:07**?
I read **2:07**
